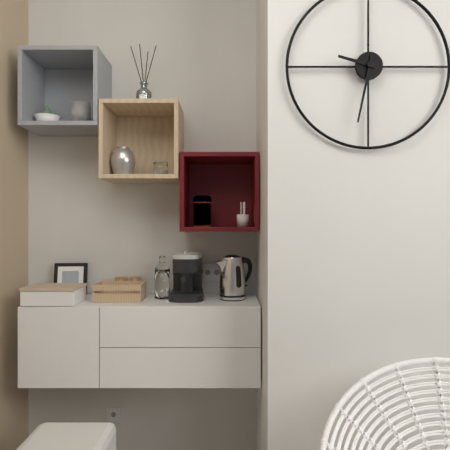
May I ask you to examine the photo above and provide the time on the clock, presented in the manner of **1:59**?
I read **9:32**
